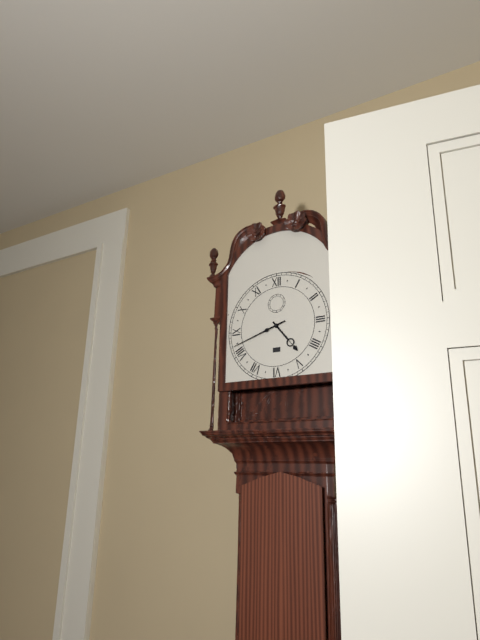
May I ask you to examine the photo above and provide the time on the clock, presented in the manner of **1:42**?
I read **4:42**
